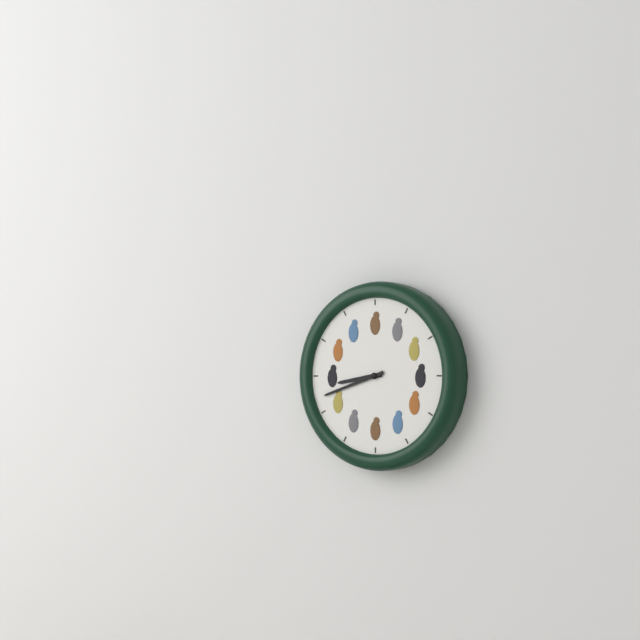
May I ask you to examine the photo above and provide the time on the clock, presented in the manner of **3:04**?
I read **8:42**
